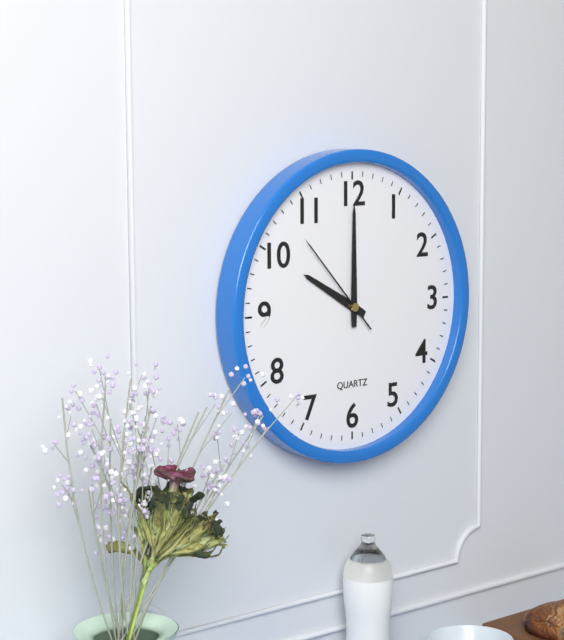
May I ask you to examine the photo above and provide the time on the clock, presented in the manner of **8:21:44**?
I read **10:00:53**
